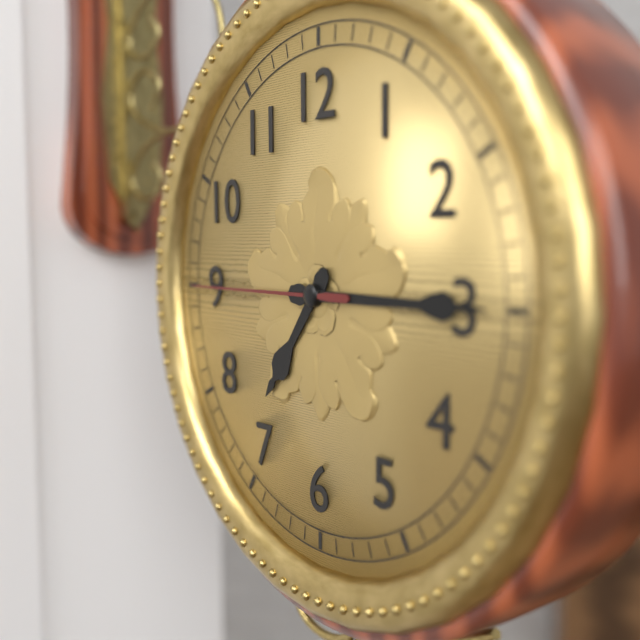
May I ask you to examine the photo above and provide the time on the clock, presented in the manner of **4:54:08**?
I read **7:15:45**
